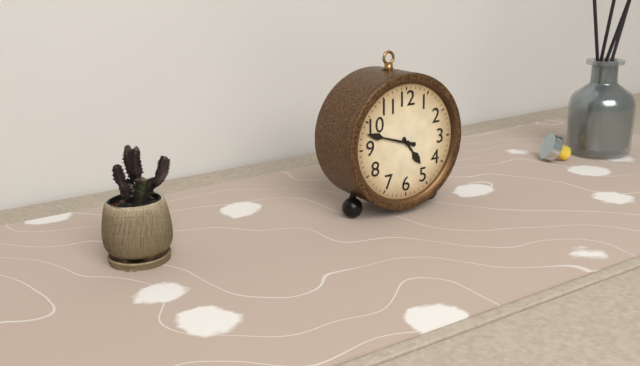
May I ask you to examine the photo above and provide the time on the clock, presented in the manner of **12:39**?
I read **4:48**
